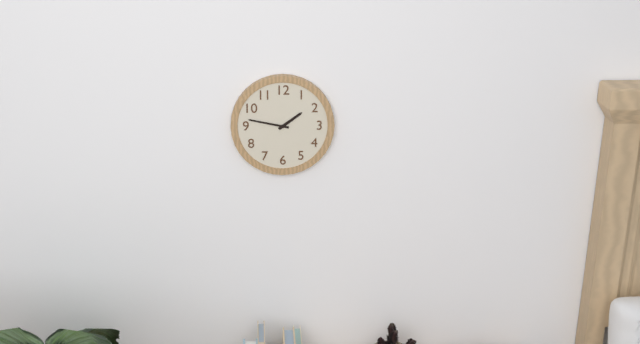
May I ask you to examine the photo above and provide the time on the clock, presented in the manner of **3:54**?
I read **1:47**
